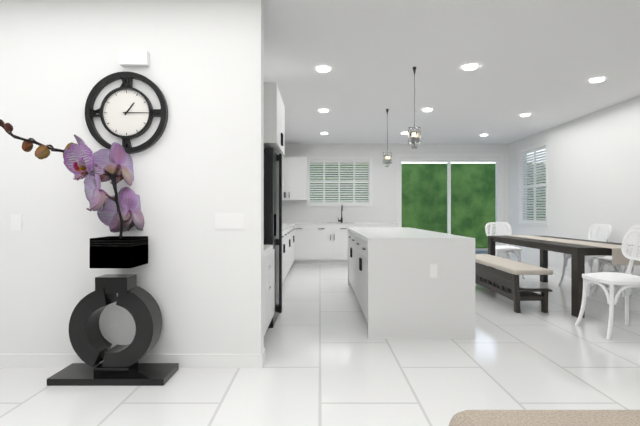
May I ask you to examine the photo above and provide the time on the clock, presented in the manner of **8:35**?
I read **1:15**
